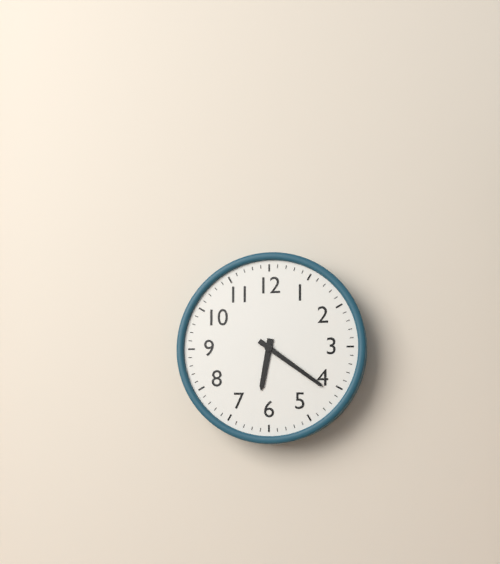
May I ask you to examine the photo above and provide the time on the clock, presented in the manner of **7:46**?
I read **6:21**
